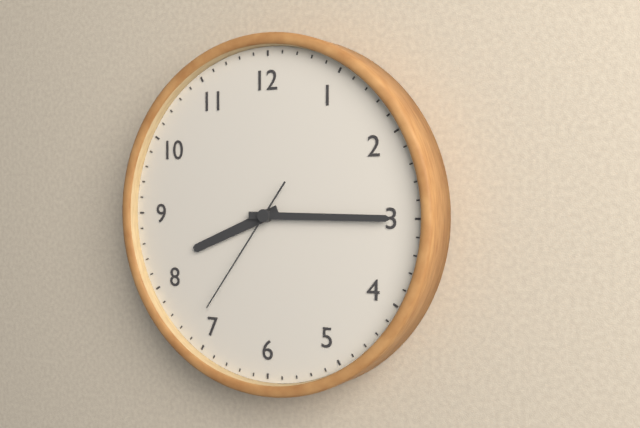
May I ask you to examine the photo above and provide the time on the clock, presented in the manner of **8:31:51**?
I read **8:15:36**
